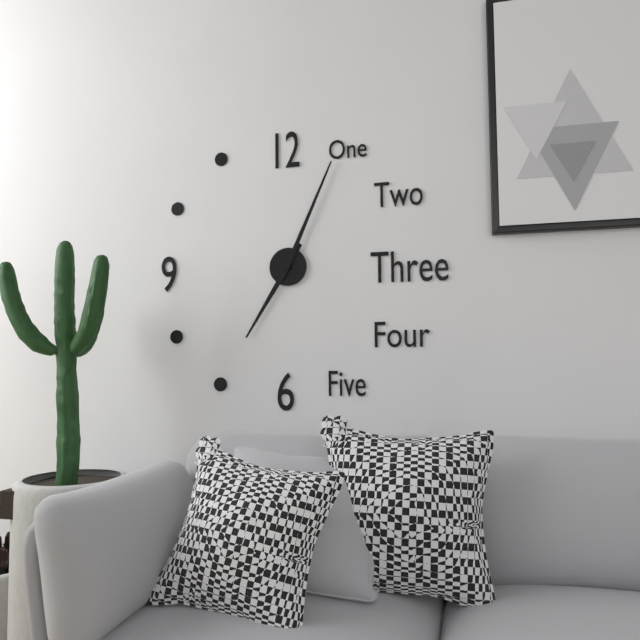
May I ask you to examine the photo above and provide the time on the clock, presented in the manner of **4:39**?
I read **7:04**
